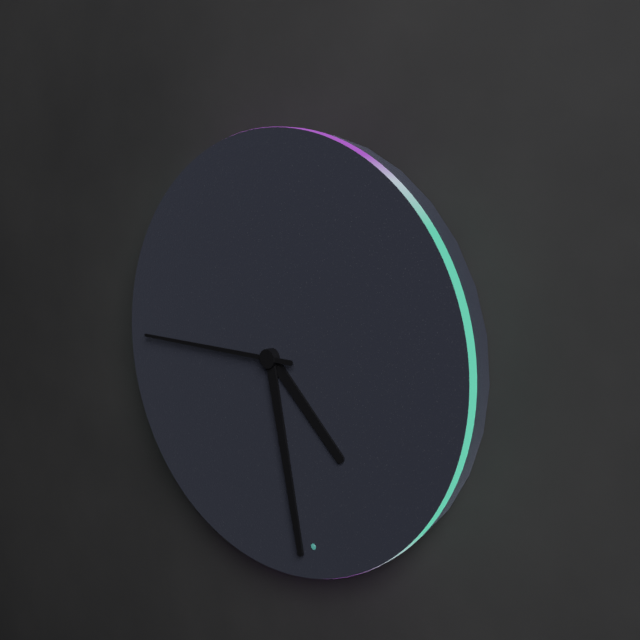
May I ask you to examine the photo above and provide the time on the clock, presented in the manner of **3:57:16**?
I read **4:28:45**
